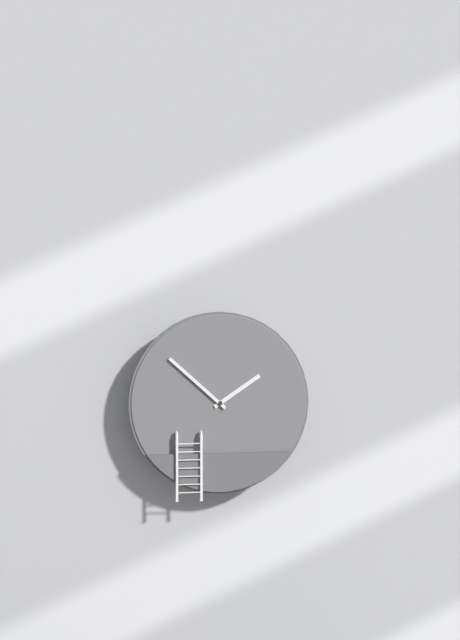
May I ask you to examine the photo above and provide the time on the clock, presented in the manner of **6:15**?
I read **1:52**
